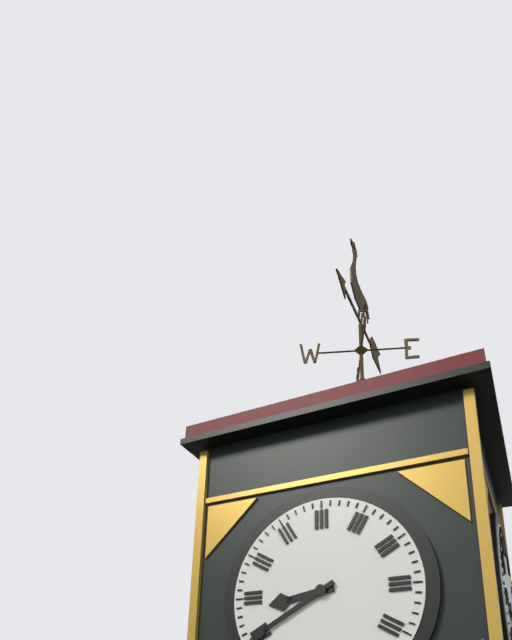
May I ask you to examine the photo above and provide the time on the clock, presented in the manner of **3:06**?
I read **8:40**
